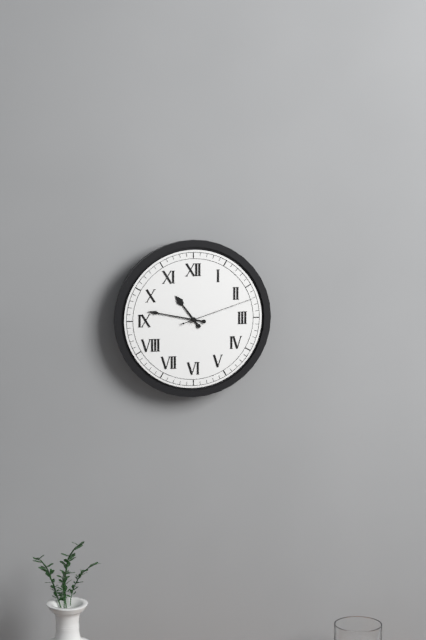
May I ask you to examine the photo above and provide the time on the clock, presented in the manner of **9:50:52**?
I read **10:47:12**
